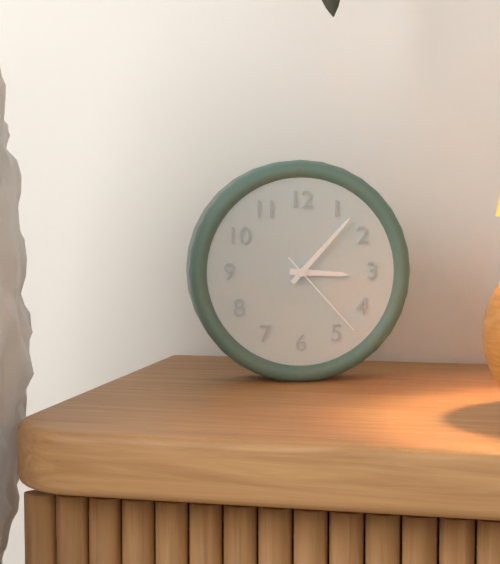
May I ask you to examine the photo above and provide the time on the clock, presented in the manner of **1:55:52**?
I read **3:07:23**
